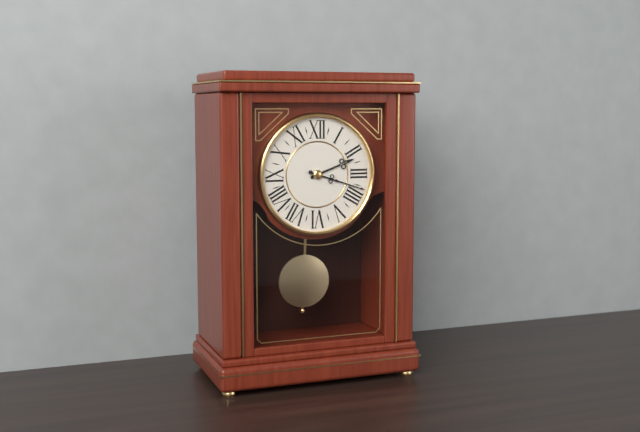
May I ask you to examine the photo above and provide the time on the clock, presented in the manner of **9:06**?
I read **2:18**
